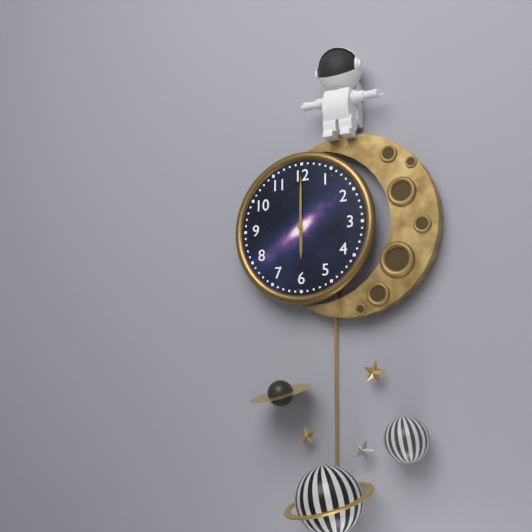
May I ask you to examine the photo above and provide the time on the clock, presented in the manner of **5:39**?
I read **6:00**
